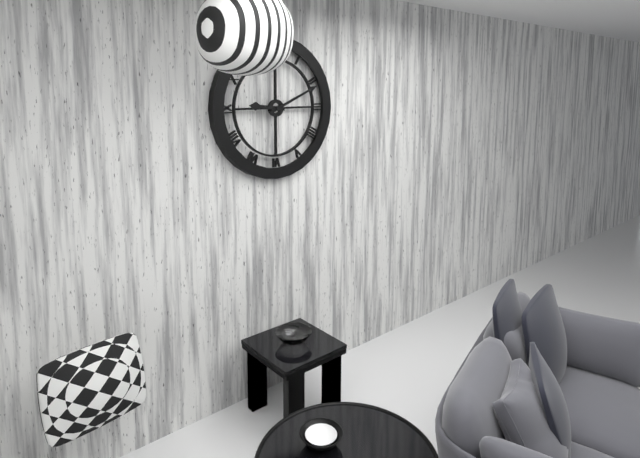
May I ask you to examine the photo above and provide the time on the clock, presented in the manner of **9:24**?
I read **9:11**
